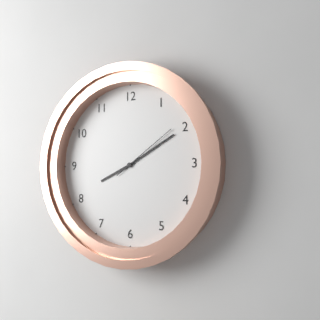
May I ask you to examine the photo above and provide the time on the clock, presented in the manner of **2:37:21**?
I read **8:10:09**
